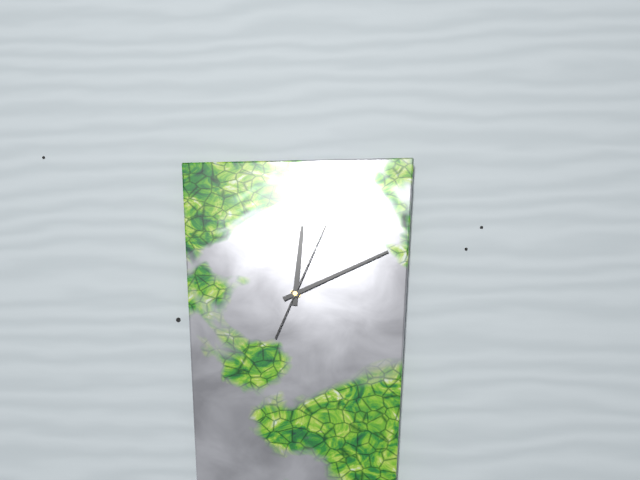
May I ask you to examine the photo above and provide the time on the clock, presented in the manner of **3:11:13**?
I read **12:11:04**
